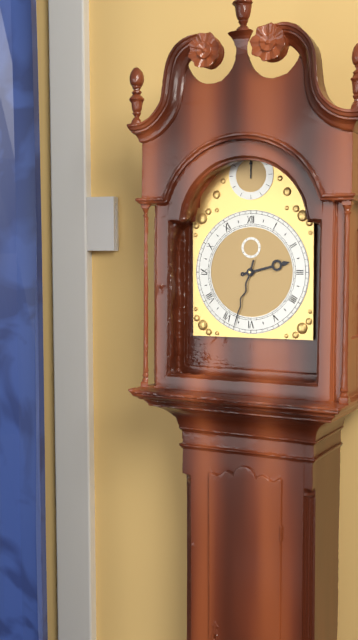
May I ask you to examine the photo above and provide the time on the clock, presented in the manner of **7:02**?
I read **2:33**
